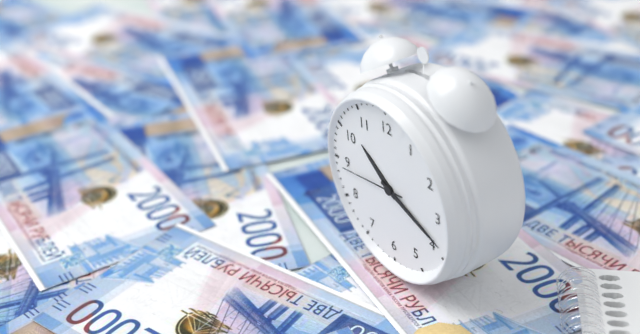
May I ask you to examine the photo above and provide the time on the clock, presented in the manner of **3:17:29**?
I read **10:19:44**
